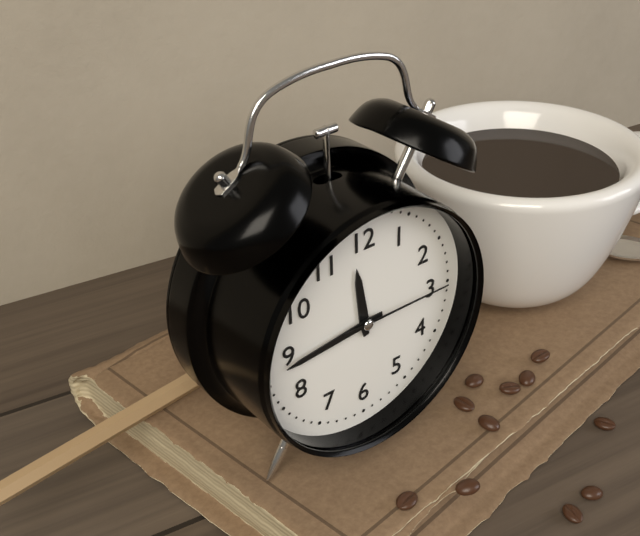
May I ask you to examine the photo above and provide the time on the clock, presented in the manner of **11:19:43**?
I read **11:44:15**
